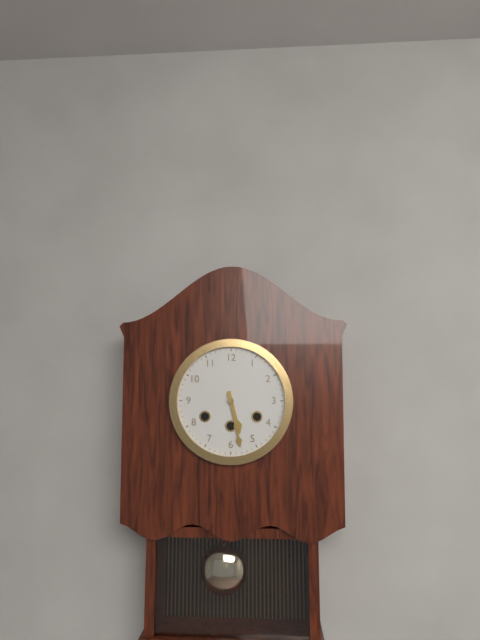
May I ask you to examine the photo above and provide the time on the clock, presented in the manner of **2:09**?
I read **5:28**
